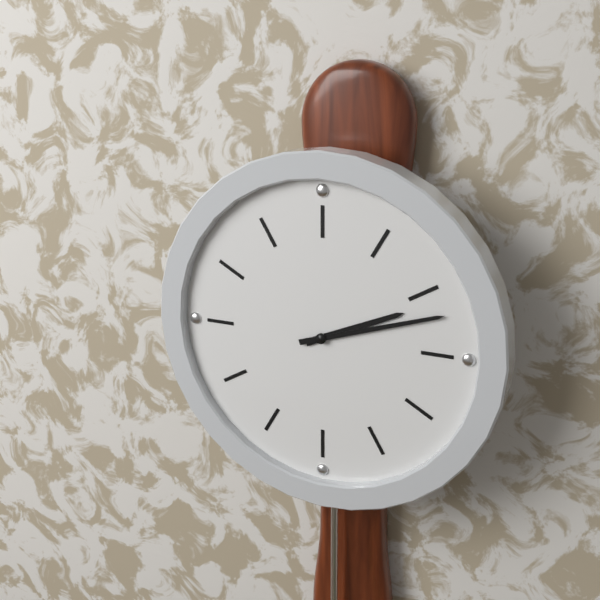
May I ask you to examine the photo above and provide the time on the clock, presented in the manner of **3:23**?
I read **2:12**
